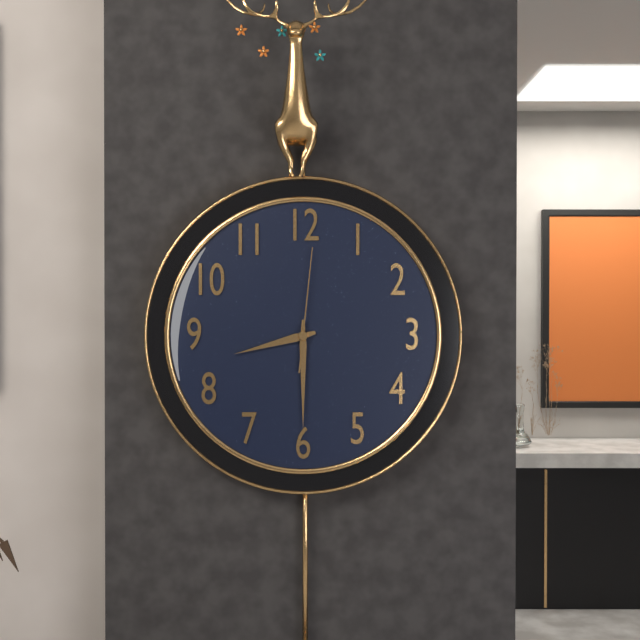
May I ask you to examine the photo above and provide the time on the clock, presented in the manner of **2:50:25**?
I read **8:30:01**
